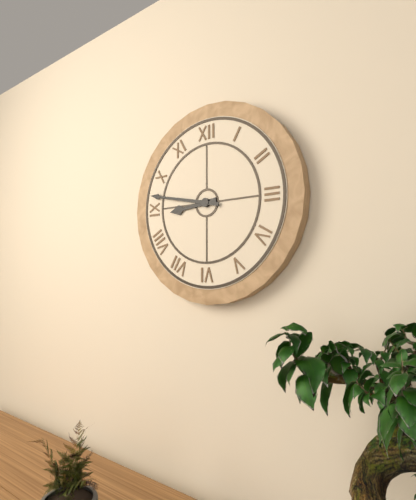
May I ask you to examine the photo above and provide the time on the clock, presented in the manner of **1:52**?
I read **8:47**
